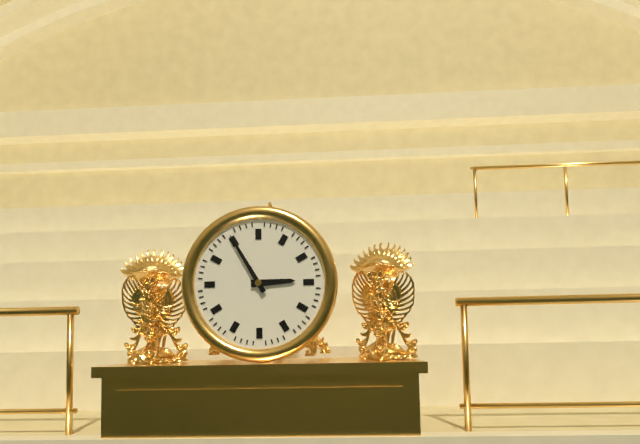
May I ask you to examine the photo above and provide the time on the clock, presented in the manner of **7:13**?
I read **2:55**
